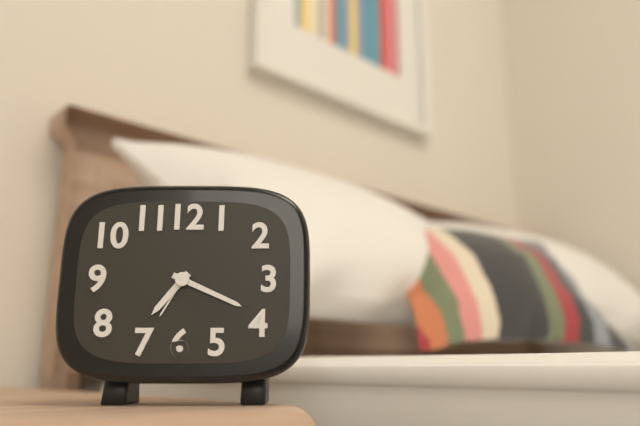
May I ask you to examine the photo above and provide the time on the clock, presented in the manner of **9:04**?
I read **7:19**
